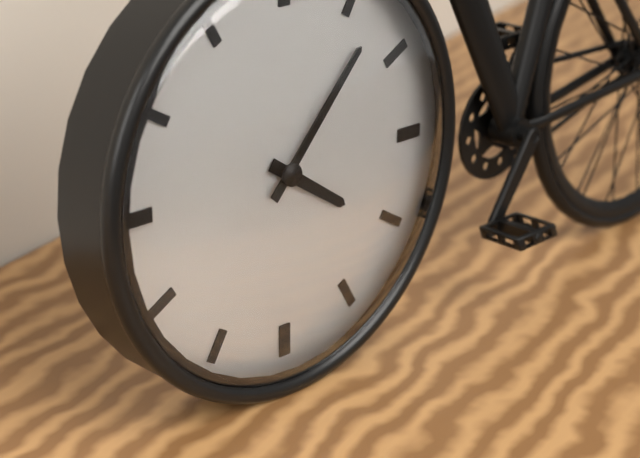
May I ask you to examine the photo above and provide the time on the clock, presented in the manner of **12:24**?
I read **4:07**
